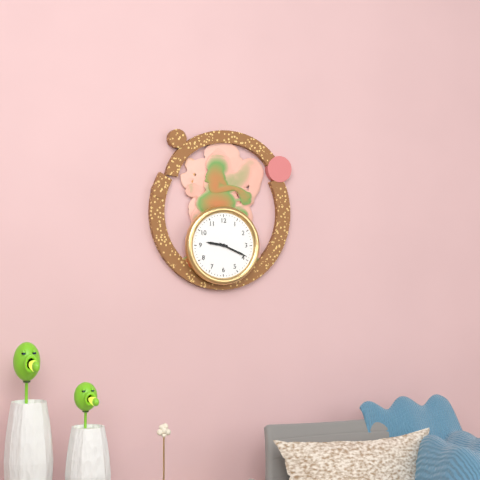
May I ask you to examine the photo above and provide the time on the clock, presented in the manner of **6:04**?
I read **9:19**
